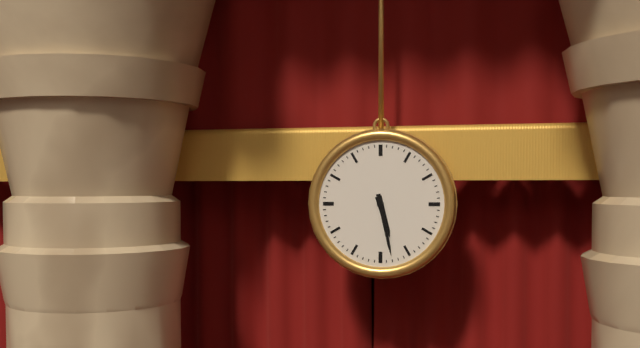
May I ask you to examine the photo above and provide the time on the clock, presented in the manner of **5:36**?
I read **5:28**
